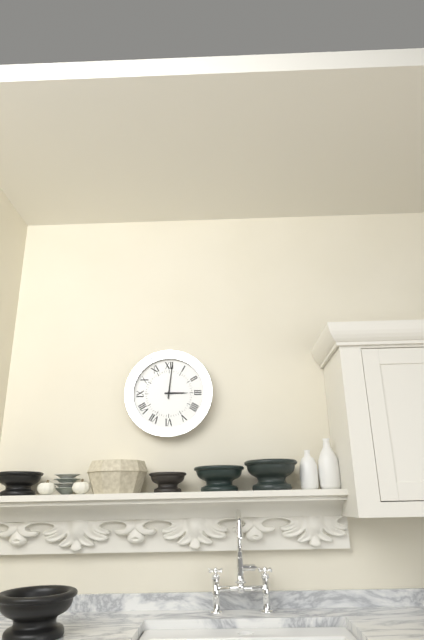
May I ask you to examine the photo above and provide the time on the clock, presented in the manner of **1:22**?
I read **3:01**
